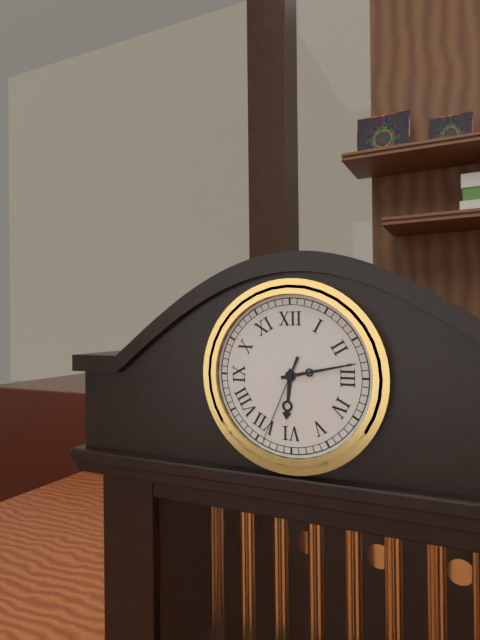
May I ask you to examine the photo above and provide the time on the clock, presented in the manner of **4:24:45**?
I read **6:13:34**
